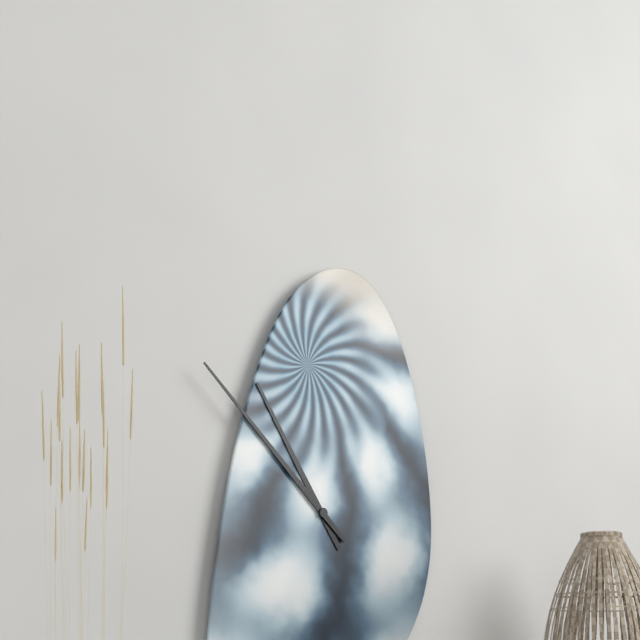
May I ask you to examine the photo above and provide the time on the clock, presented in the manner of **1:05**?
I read **10:52**
